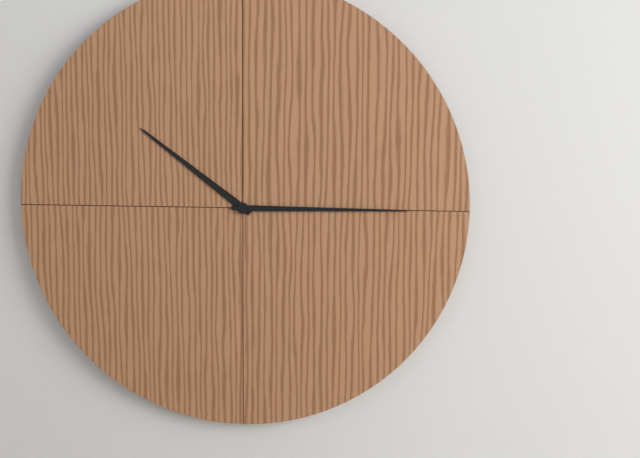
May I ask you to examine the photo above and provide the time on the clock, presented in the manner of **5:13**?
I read **10:15**
